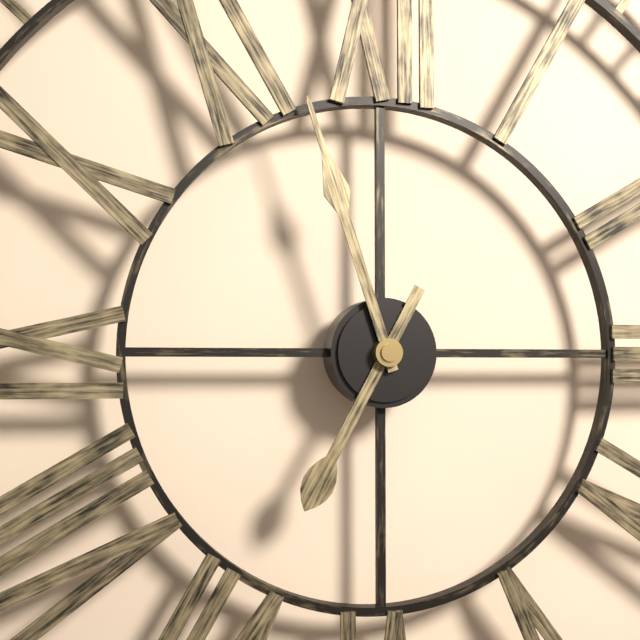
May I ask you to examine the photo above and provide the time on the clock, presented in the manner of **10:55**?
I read **6:57**
